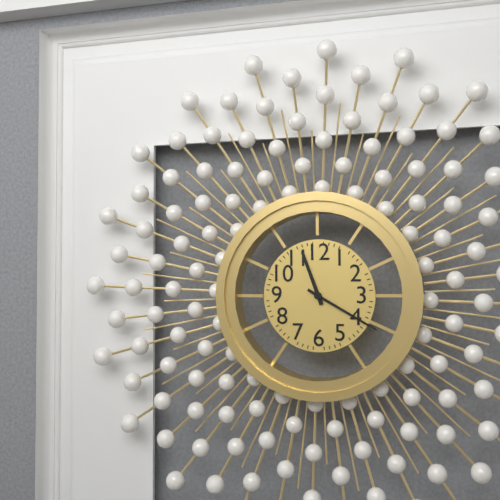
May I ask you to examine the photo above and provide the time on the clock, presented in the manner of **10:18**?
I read **11:20**
